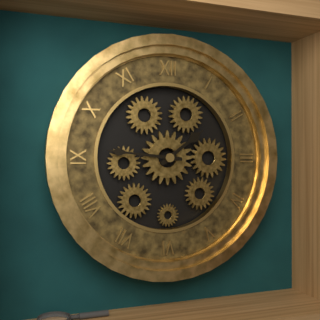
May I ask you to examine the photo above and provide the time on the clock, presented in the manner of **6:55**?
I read **1:46**
